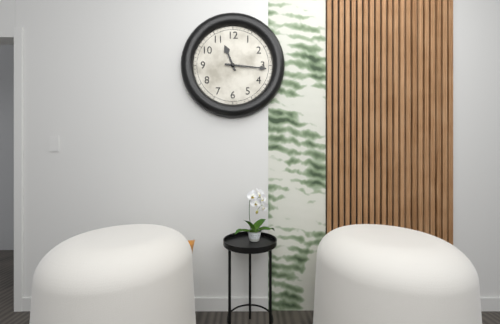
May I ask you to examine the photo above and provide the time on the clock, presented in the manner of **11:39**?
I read **11:16**
